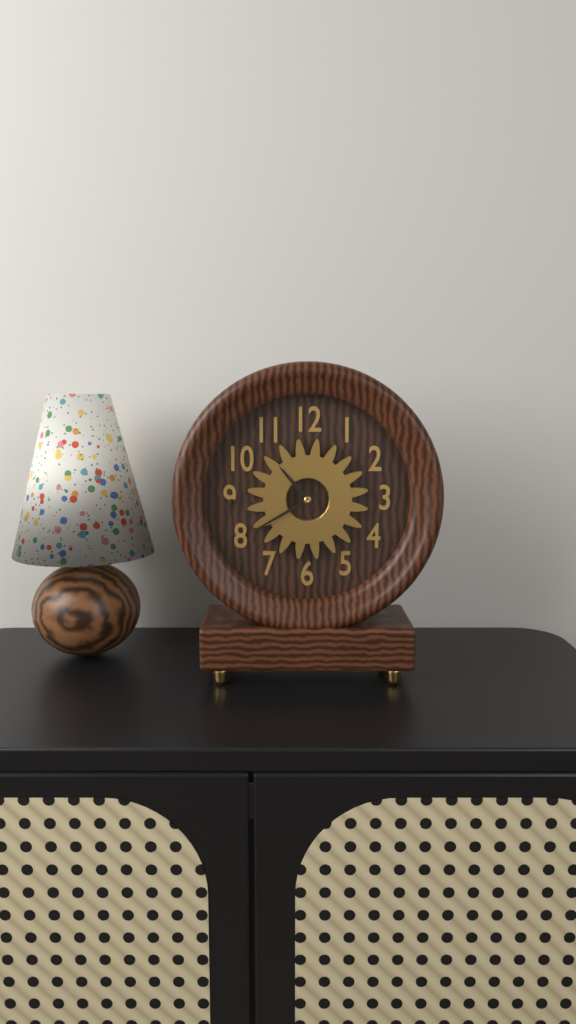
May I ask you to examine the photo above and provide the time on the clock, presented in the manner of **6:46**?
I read **10:40**
